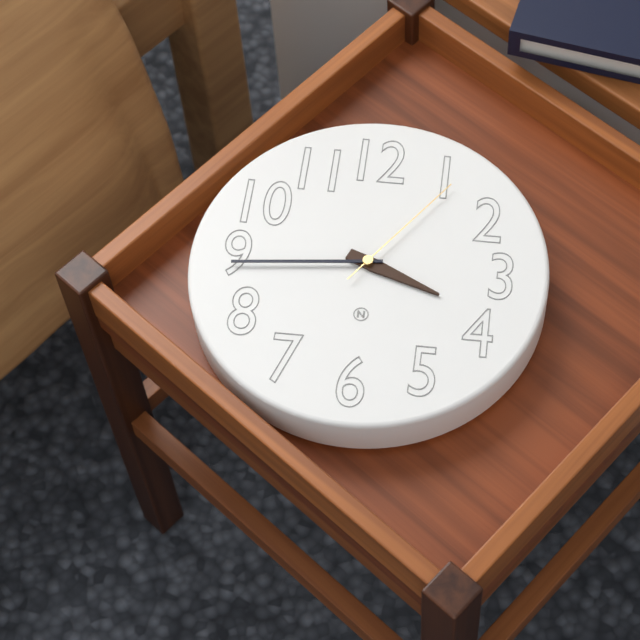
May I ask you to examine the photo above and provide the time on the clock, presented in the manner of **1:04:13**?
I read **3:44:06**
